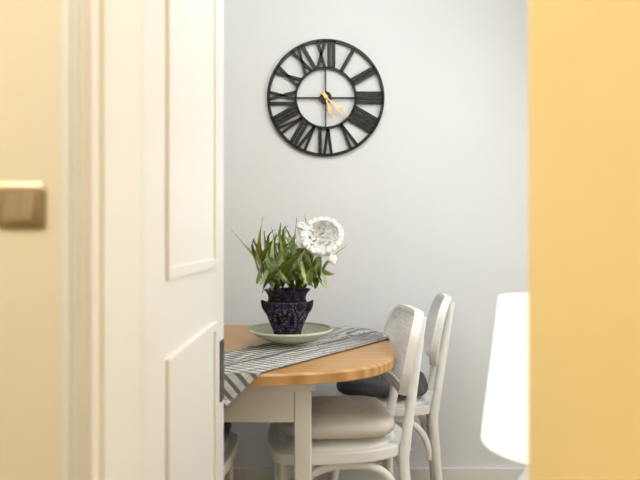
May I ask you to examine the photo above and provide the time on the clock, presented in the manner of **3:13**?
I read **5:22**
